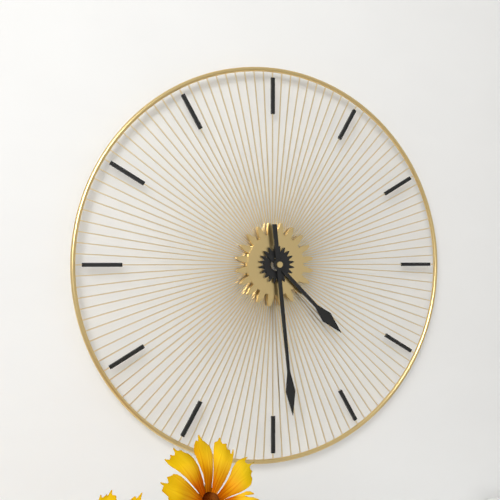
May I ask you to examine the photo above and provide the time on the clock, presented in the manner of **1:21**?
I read **4:29**
